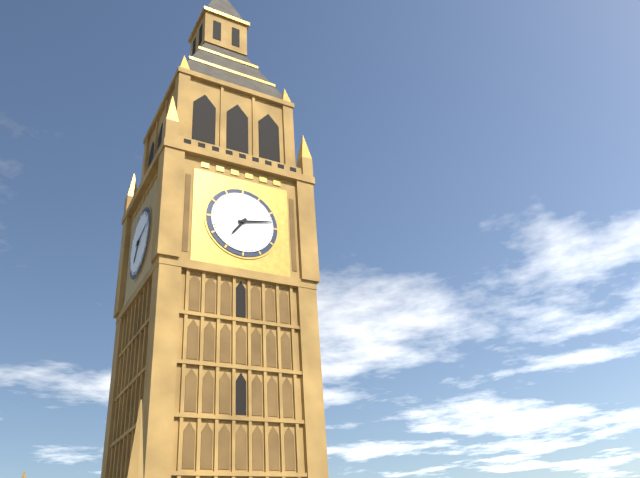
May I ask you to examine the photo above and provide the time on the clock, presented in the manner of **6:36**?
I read **7:13**
